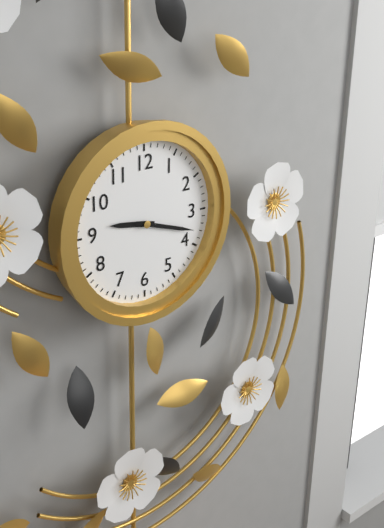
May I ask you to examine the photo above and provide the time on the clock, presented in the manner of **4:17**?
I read **9:18**
